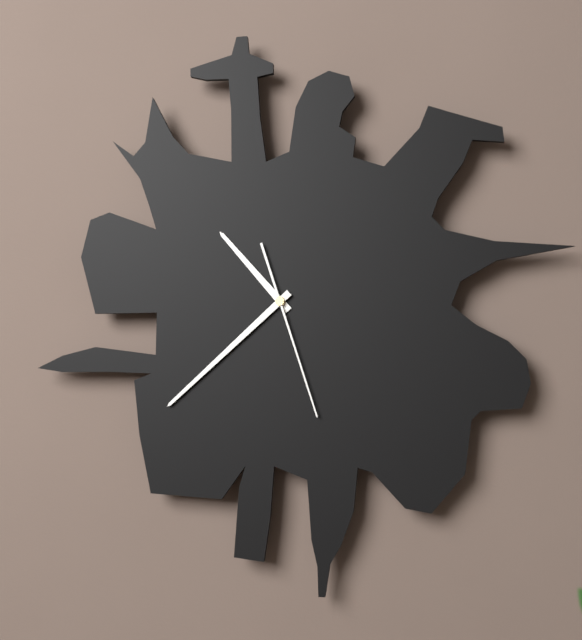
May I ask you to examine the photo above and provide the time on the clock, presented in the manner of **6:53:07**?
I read **10:38:27**
